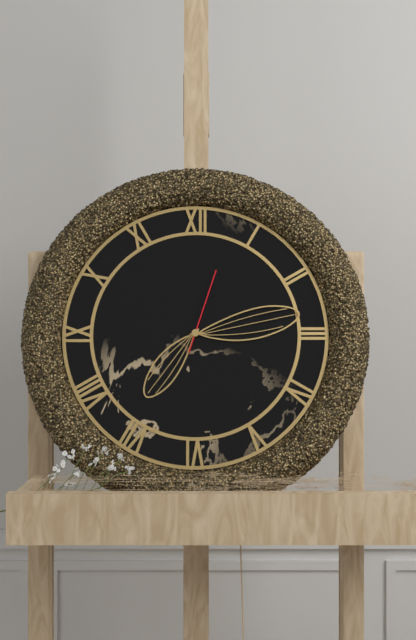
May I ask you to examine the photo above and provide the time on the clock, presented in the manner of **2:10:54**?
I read **7:13:03**
